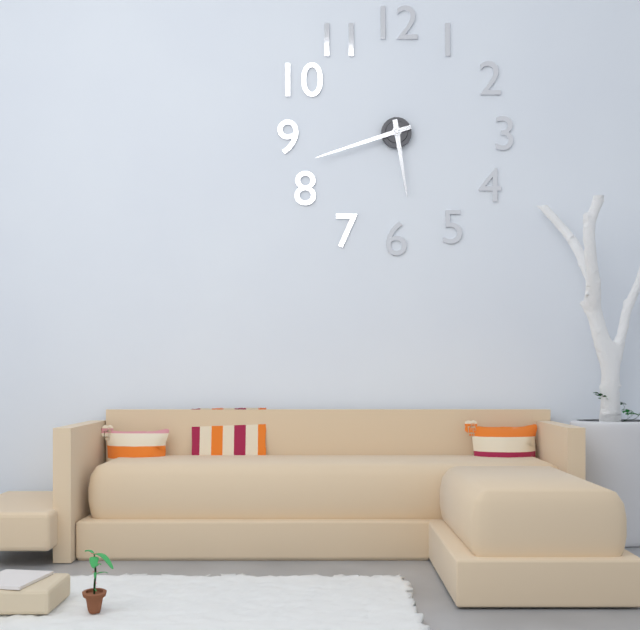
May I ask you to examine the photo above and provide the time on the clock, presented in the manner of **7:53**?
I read **5:42**
